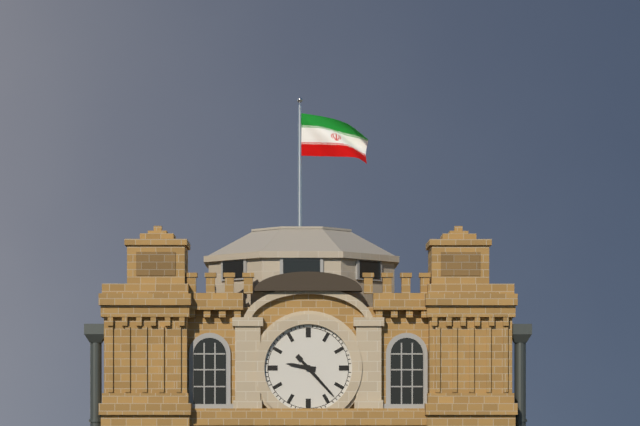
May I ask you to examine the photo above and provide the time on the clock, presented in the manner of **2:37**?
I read **9:23**
